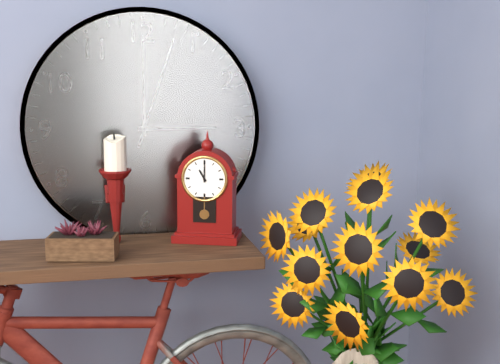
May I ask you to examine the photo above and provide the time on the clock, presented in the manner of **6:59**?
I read **11:00**
